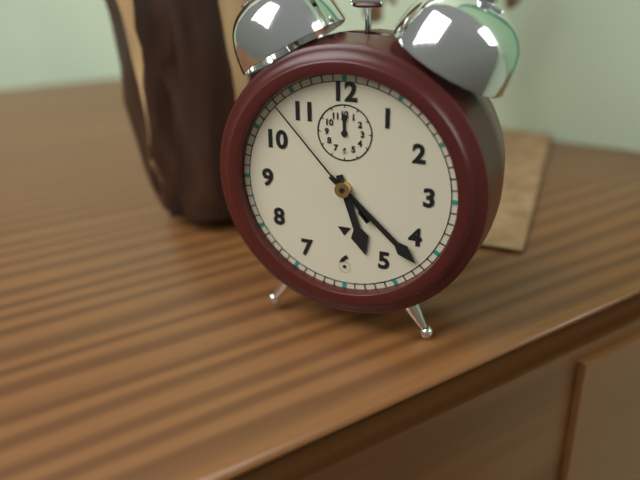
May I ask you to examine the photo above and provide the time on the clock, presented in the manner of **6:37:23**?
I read **5:22:53**
